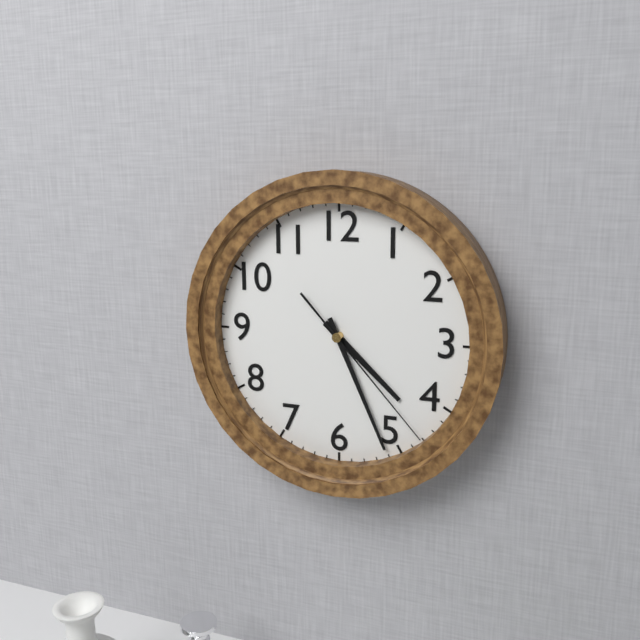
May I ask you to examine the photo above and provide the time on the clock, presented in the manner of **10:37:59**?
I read **4:26:23**
